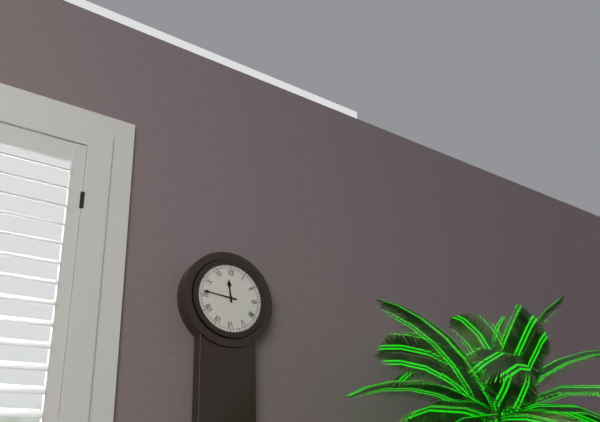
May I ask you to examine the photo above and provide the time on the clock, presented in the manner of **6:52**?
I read **11:46**
